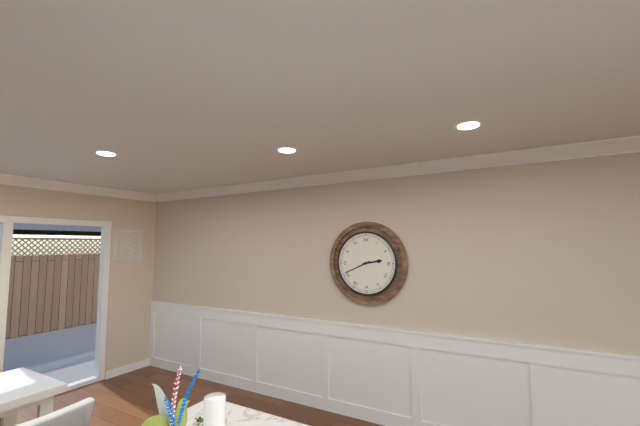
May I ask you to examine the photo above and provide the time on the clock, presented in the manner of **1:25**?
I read **2:41**
